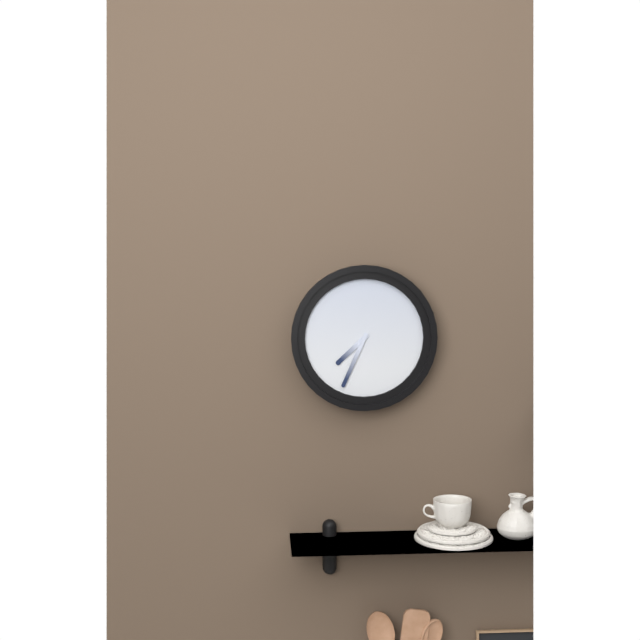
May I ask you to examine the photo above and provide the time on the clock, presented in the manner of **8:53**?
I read **7:34**
